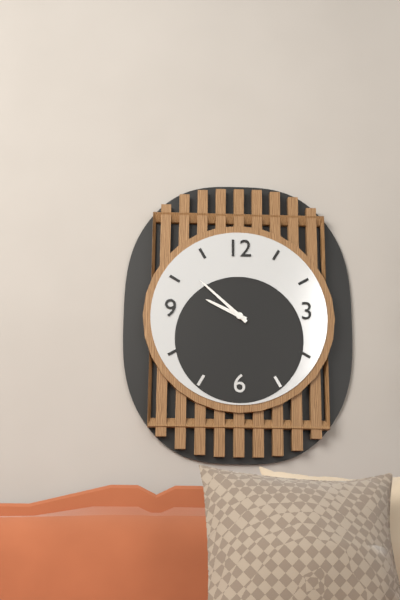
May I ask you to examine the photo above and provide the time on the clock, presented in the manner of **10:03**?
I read **9:52**
